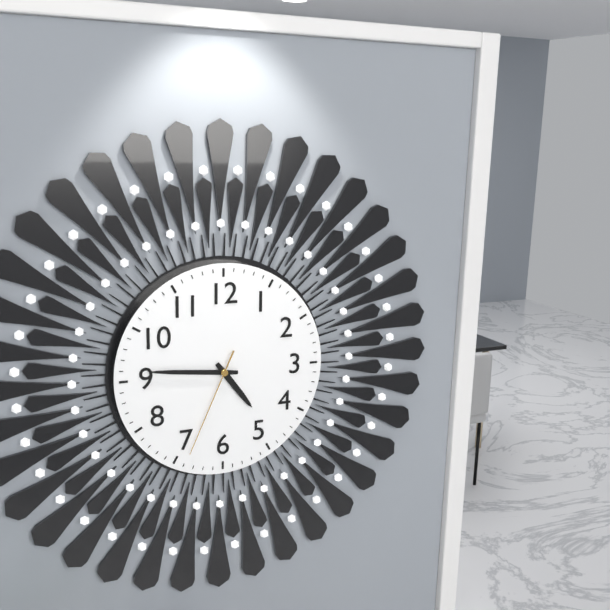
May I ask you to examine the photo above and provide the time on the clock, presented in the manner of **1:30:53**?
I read **4:46:34**
